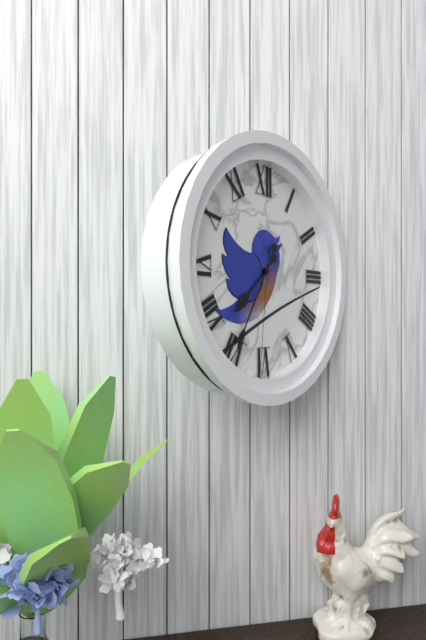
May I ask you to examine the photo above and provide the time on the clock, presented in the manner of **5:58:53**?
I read **7:35:31**
